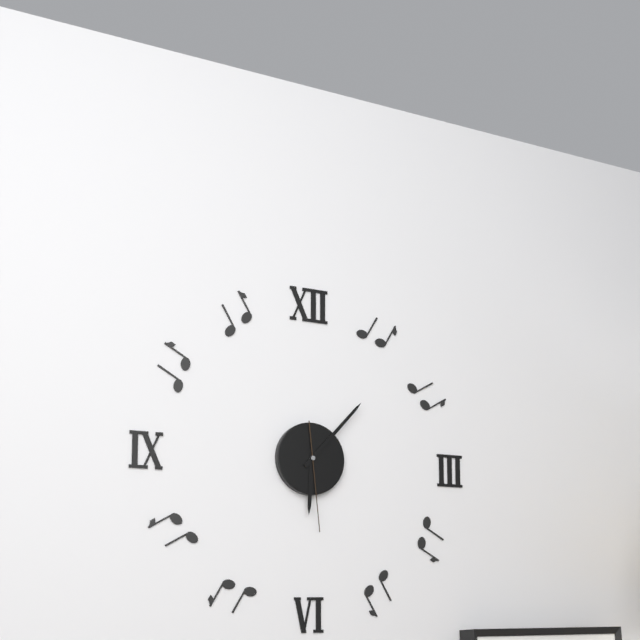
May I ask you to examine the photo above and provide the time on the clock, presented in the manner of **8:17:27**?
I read **6:07:29**
